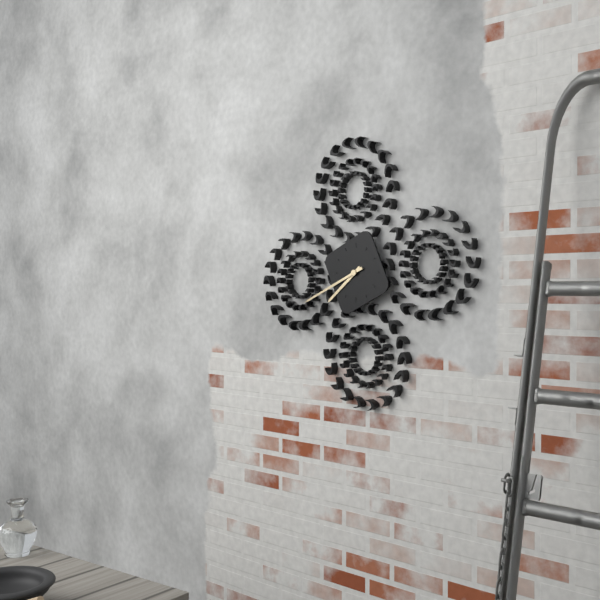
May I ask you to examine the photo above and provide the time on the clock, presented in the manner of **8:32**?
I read **7:41**
